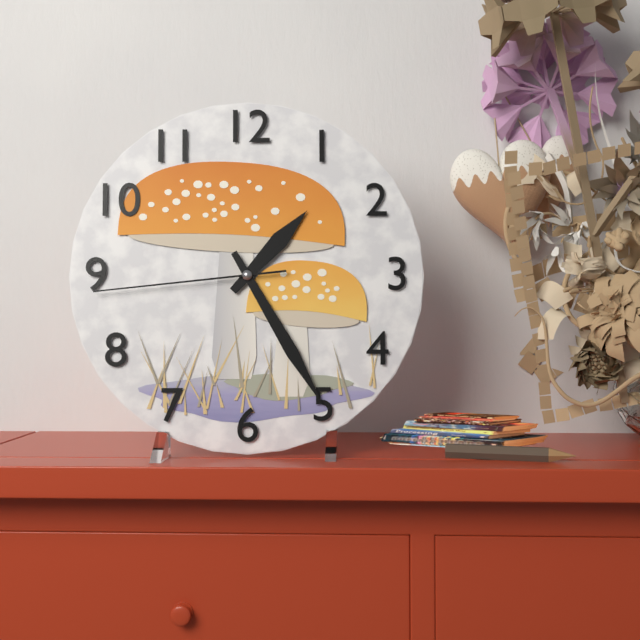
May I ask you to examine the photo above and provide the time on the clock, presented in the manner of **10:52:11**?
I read **1:25:44**
